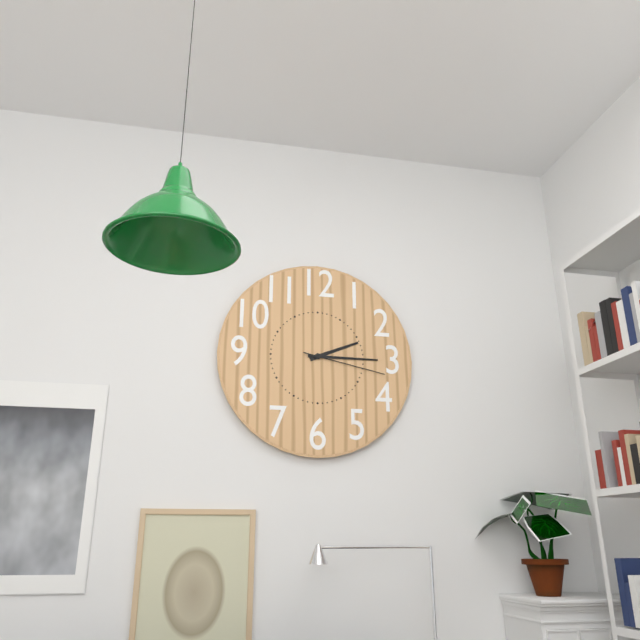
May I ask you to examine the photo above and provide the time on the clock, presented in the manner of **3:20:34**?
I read **2:15:17**
